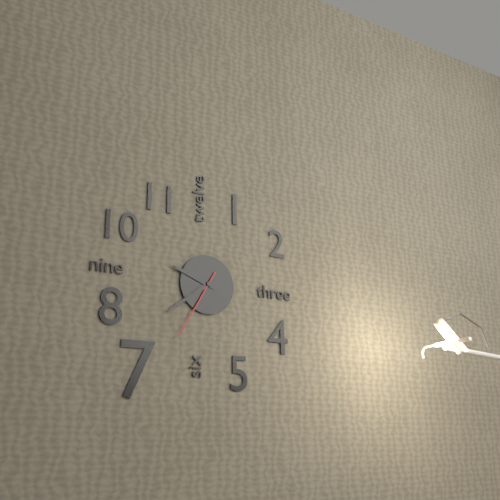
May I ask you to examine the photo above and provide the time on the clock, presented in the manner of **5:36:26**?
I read **9:39:35**
